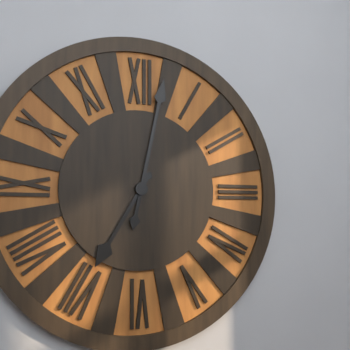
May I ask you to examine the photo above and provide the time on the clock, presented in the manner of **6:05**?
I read **7:02**
